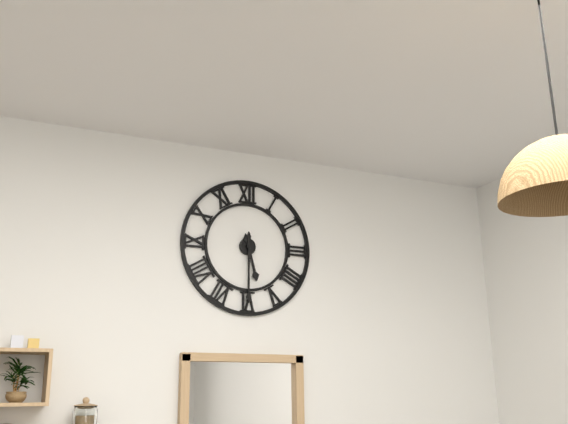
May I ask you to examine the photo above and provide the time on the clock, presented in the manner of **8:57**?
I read **5:30**
